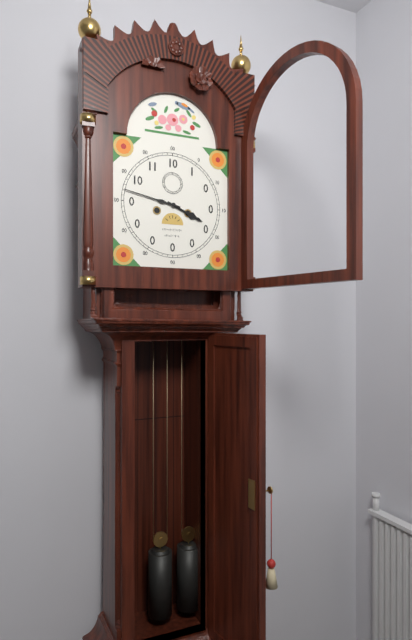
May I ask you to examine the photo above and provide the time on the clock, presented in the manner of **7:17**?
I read **3:47**
